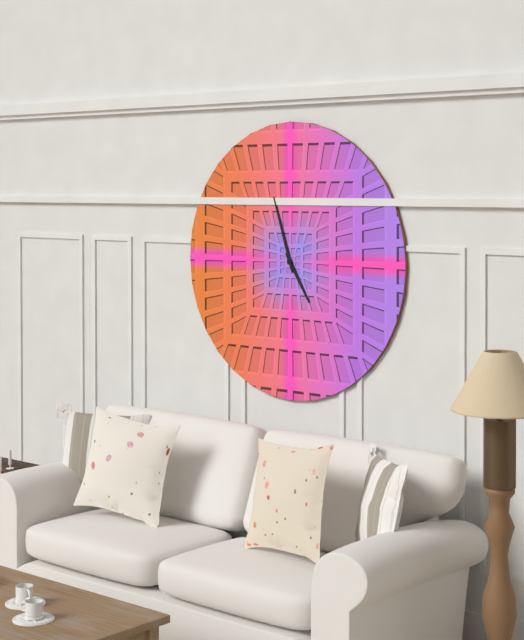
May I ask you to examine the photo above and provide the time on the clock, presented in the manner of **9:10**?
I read **4:57**
